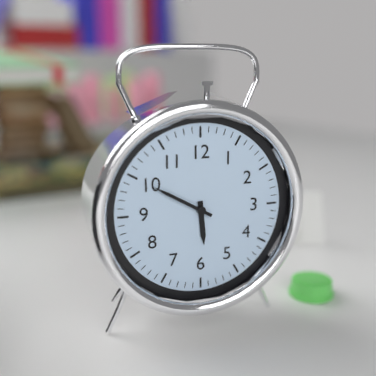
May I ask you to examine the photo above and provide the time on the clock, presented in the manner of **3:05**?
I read **5:50**
